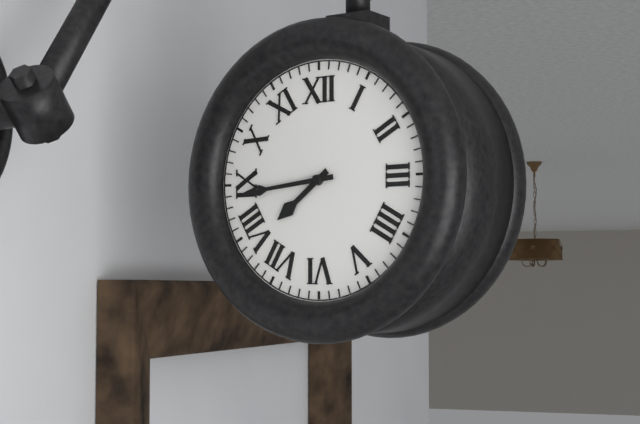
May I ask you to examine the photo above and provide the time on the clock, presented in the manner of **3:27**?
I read **7:44**
